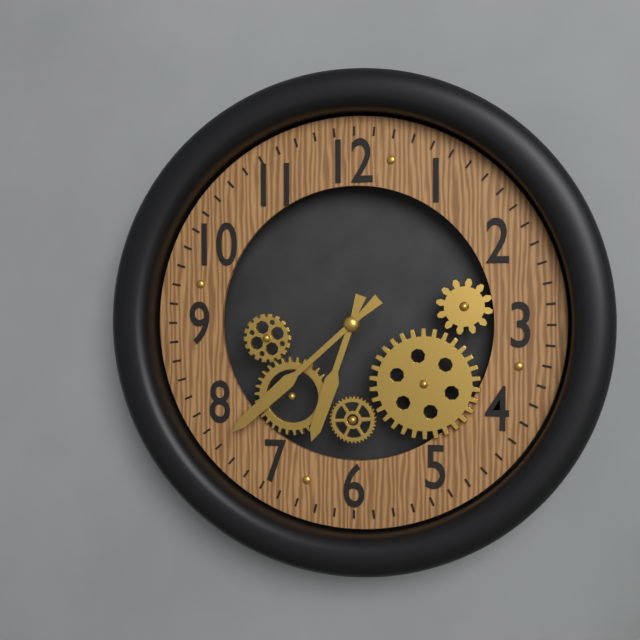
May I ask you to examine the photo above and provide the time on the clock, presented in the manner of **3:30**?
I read **6:38**
